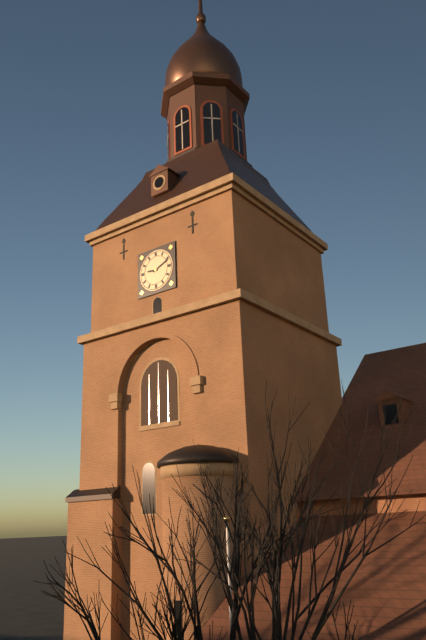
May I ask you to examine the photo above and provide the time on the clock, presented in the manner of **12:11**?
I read **9:11**
